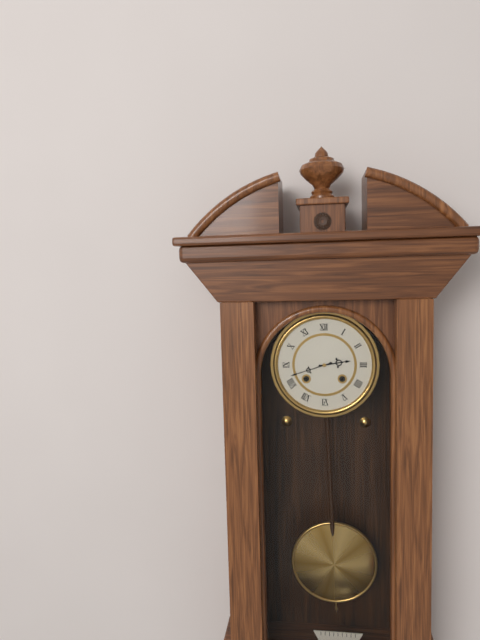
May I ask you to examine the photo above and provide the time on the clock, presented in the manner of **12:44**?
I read **2:42**
